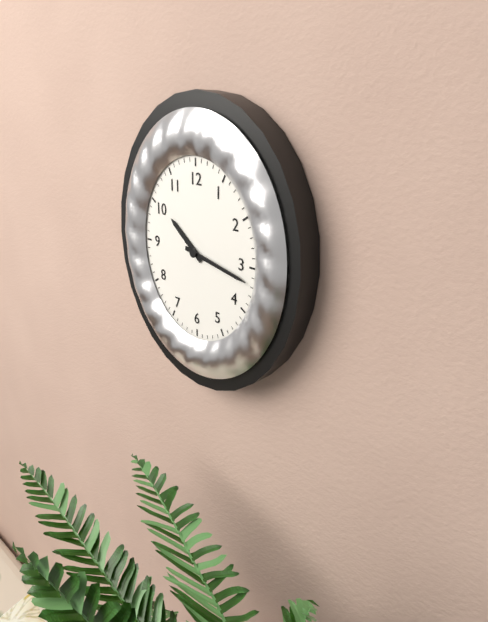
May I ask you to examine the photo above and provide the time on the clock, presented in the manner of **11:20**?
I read **10:17**
